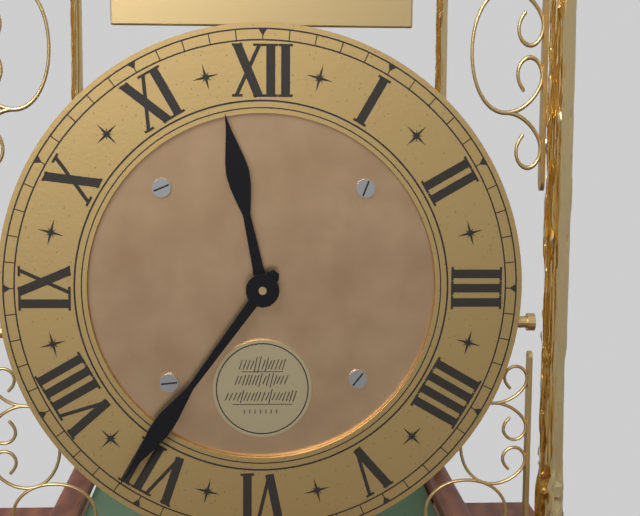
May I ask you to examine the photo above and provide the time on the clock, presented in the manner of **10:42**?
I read **11:36**
